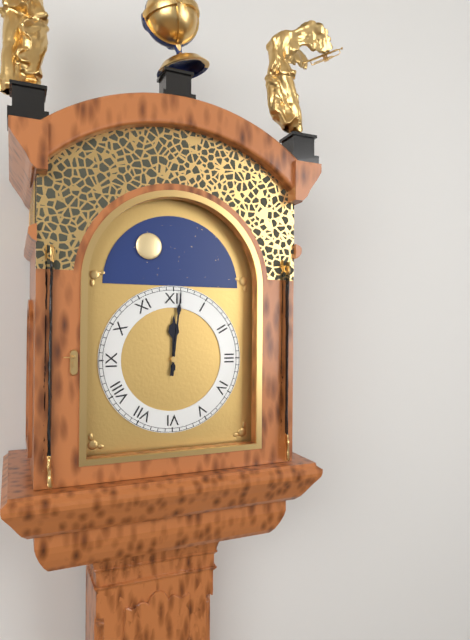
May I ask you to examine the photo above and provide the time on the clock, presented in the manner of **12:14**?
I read **12:01**
